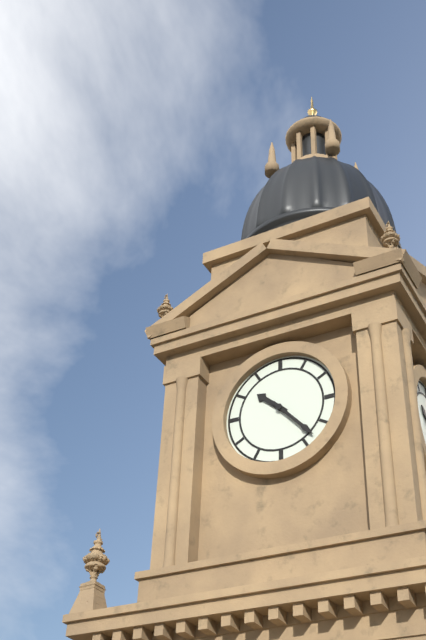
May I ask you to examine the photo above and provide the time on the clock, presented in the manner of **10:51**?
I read **10:23**
